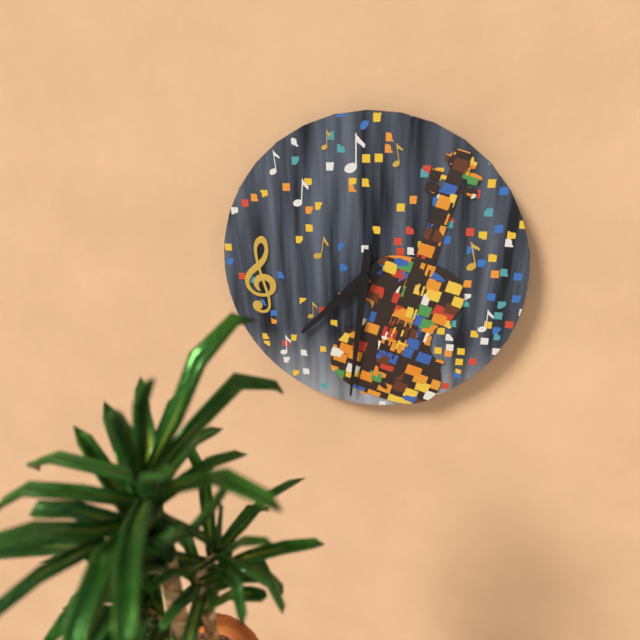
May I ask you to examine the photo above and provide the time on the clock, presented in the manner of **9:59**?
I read **7:31**
